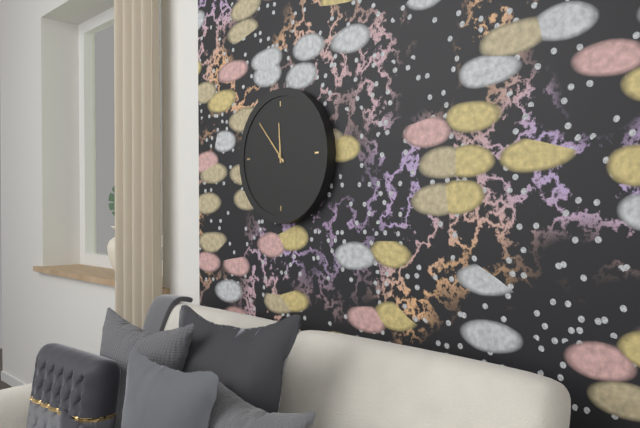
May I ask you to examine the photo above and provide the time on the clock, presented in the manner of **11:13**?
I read **11:53**
